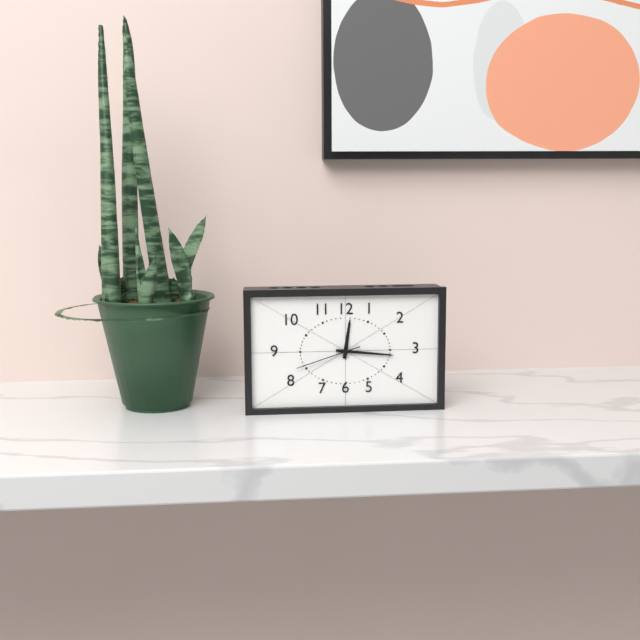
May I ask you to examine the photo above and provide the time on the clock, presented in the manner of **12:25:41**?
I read **12:16:42**
